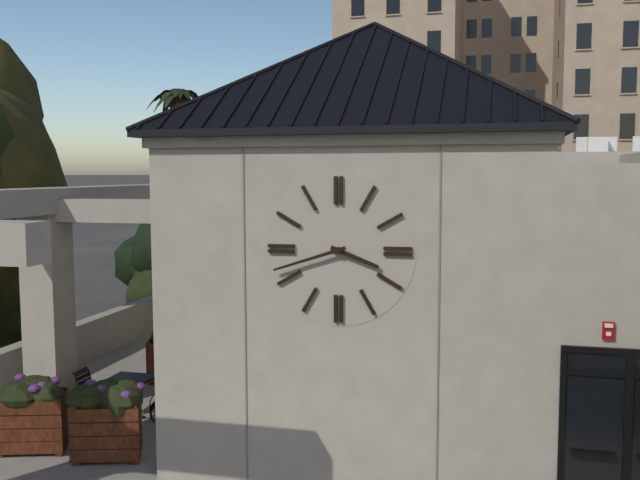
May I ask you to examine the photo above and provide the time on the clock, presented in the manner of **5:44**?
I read **3:42**
